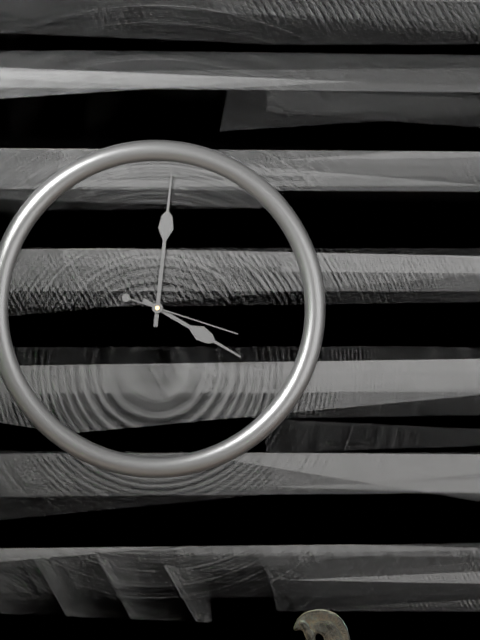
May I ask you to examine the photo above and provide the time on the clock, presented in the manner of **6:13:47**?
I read **4:01:18**
